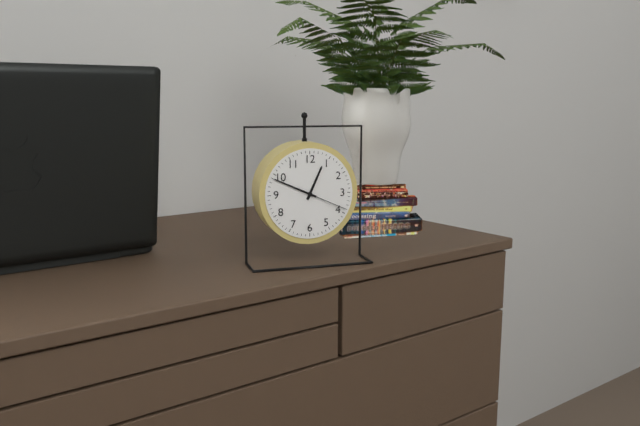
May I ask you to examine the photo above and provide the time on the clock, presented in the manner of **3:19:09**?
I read **12:49:19**
